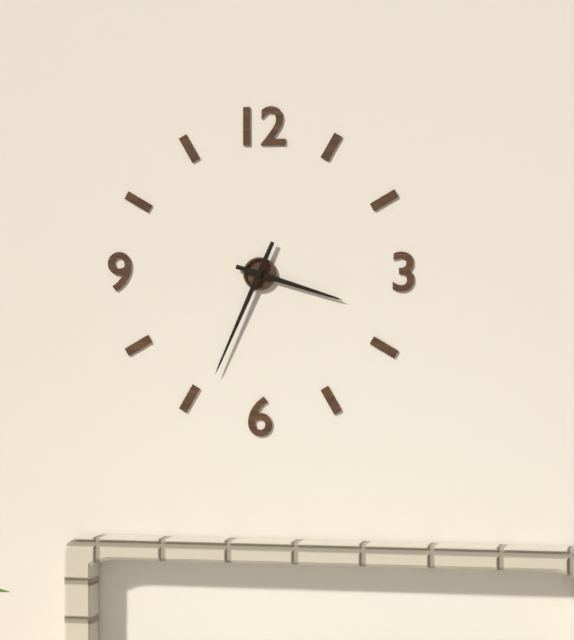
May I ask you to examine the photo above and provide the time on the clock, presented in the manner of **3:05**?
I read **3:34**
